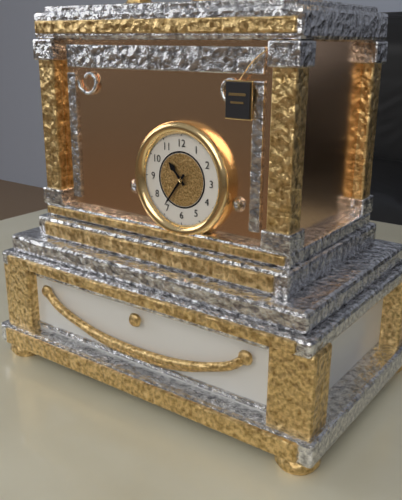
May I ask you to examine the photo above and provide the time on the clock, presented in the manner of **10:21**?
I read **10:36**
